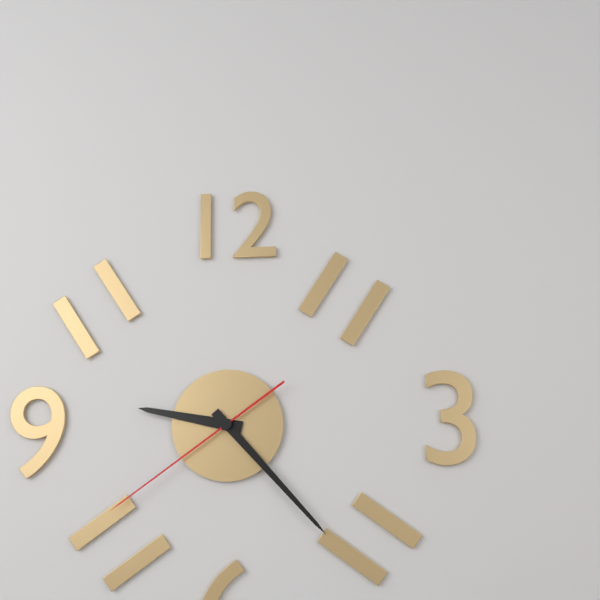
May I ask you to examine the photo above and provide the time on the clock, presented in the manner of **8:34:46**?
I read **9:23:39**
